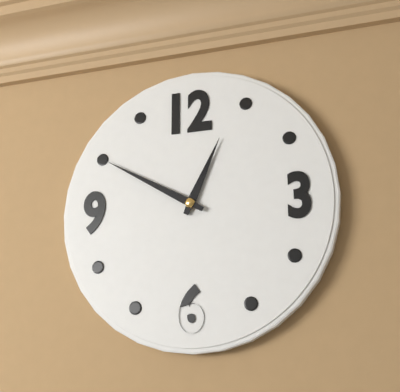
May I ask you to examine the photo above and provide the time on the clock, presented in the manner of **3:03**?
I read **12:50**
